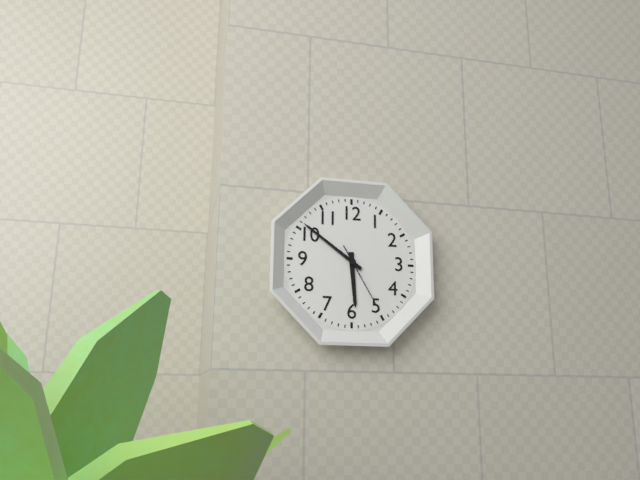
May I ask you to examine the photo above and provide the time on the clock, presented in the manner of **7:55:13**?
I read **5:51:25**
